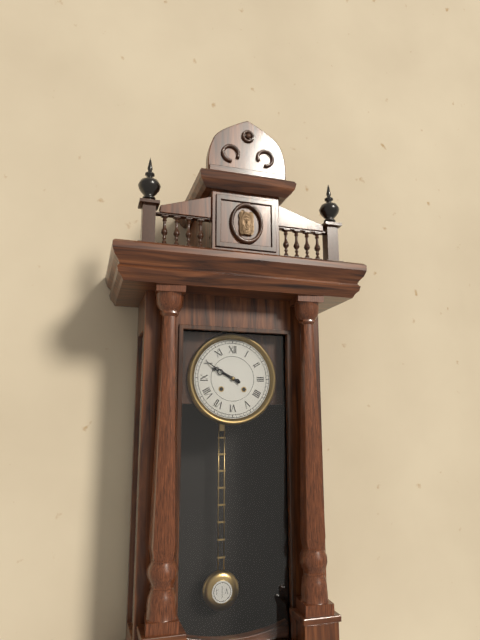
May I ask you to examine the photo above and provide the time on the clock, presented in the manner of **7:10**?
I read **9:50**
